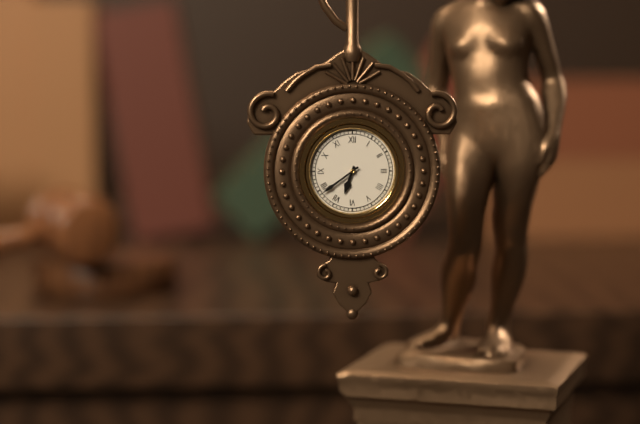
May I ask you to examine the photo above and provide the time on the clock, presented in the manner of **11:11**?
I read **6:39**
